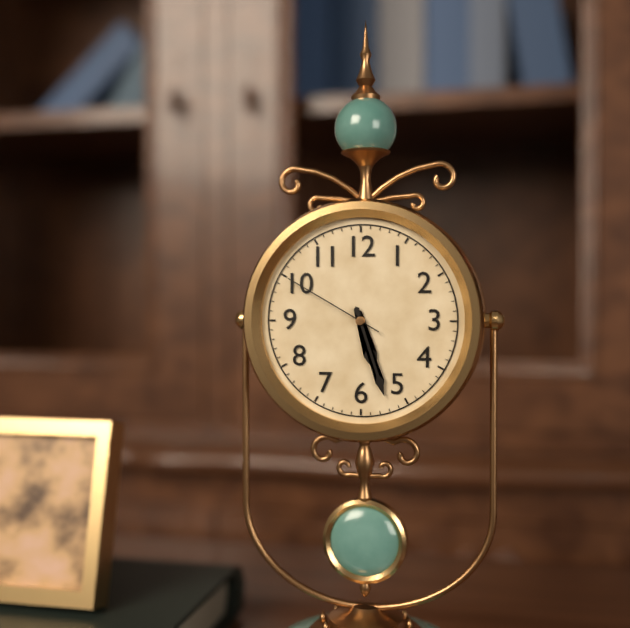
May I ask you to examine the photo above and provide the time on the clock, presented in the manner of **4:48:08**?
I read **5:27:50**
